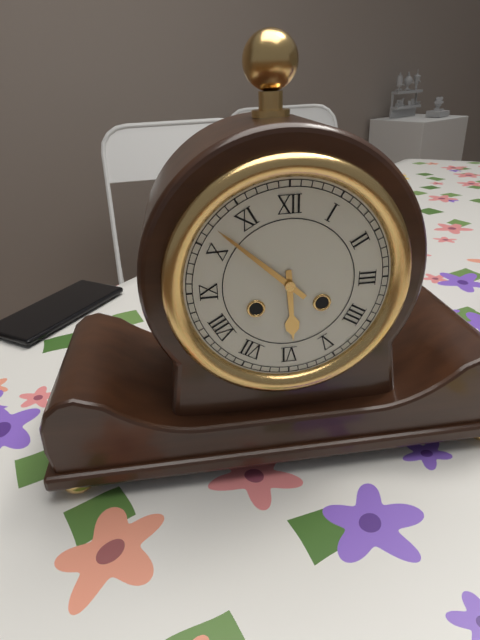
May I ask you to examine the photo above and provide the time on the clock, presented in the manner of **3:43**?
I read **5:52**
